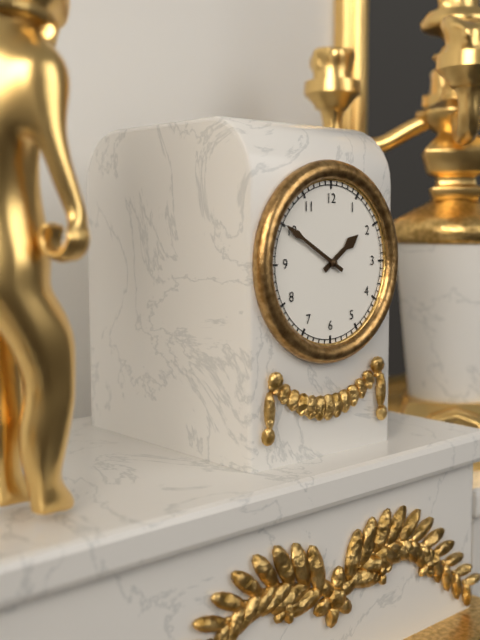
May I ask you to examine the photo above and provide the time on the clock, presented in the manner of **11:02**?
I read **1:50**
